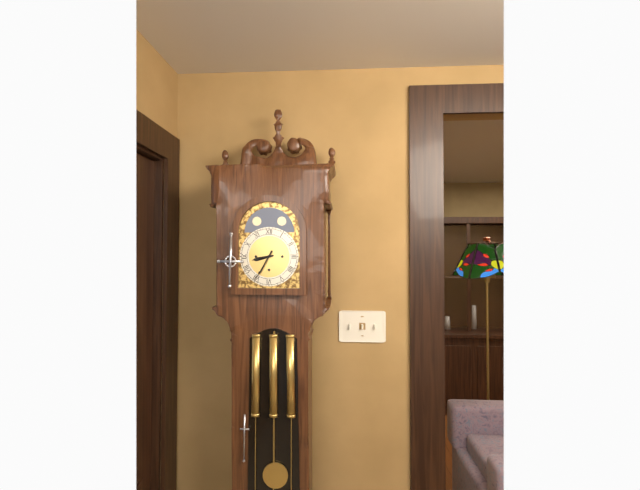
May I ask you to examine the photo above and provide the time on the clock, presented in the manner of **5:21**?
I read **8:35**
